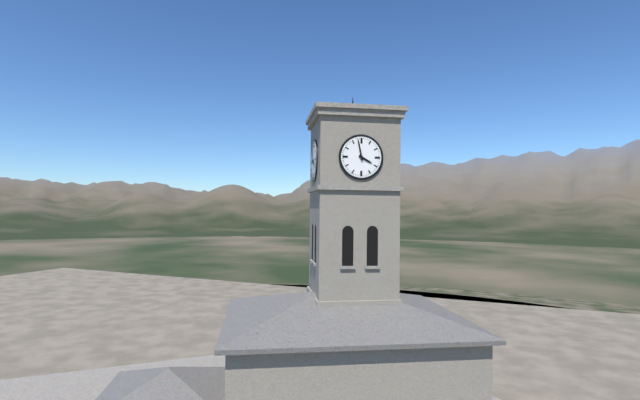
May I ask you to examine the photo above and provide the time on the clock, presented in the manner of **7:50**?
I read **3:58**
